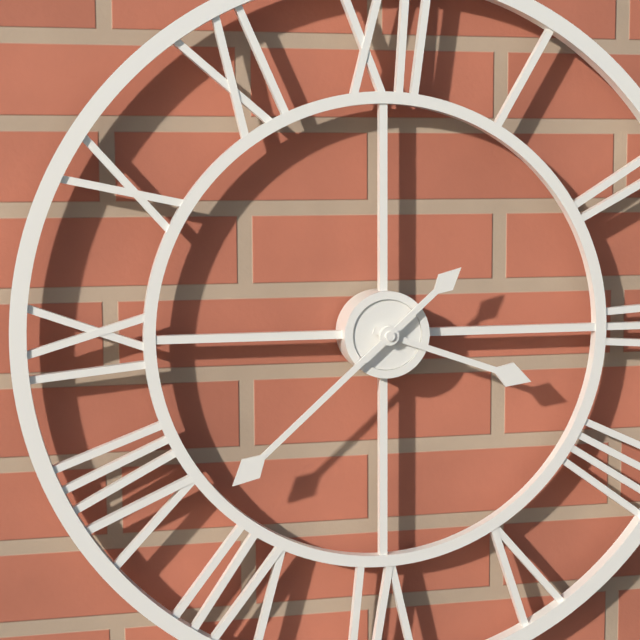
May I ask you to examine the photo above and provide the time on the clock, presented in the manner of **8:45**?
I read **3:38**
